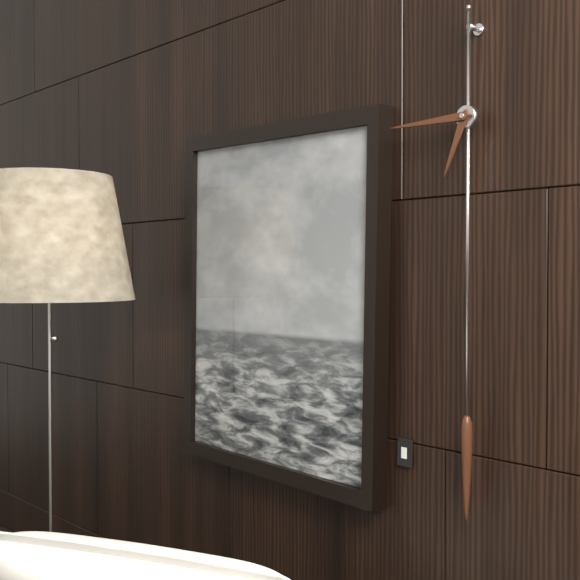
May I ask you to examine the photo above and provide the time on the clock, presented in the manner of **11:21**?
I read **6:45**
